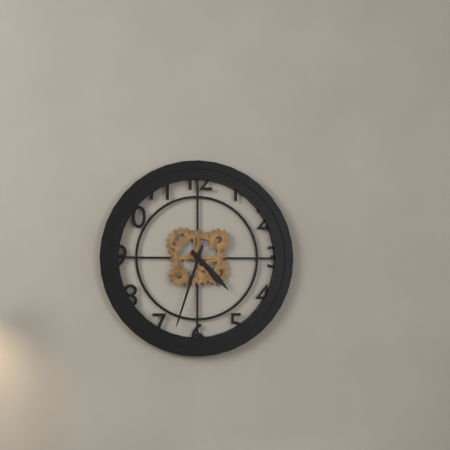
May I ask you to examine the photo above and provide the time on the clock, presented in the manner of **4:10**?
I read **4:33**
